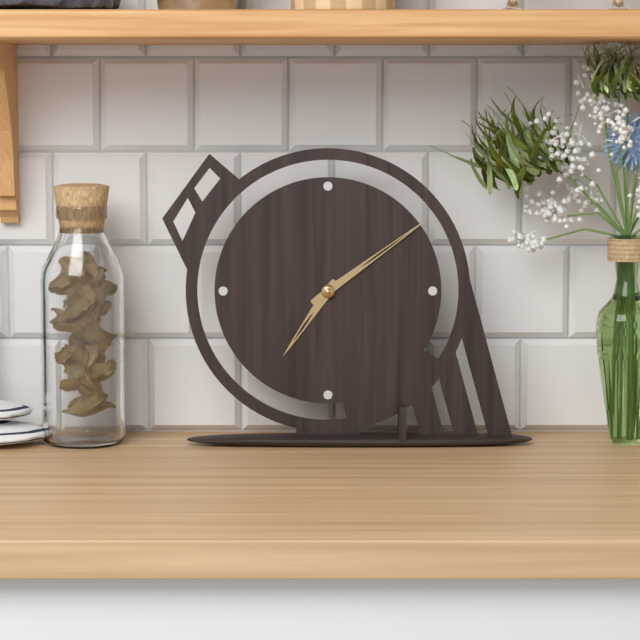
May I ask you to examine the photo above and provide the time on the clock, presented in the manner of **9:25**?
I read **7:09**
